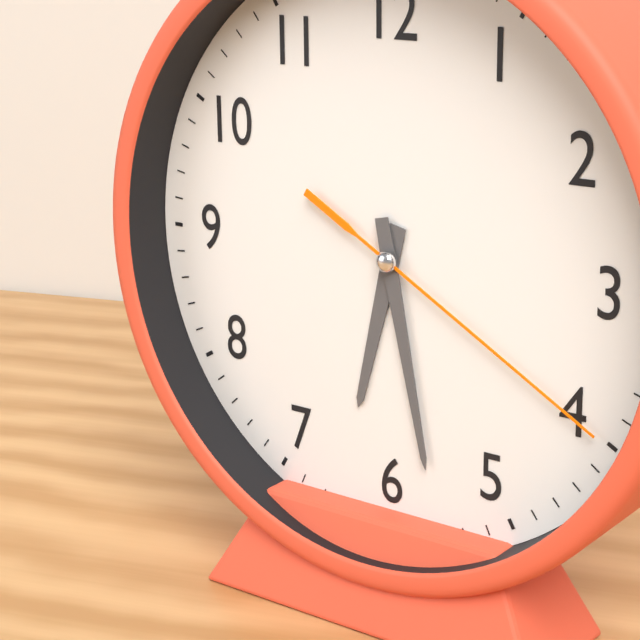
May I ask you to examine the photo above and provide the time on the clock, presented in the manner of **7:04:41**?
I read **6:28:20**
